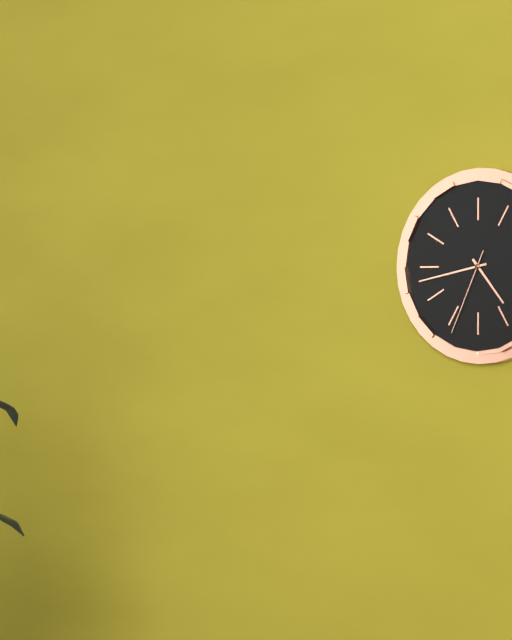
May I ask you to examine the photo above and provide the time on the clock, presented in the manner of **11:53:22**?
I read **4:43:34**
